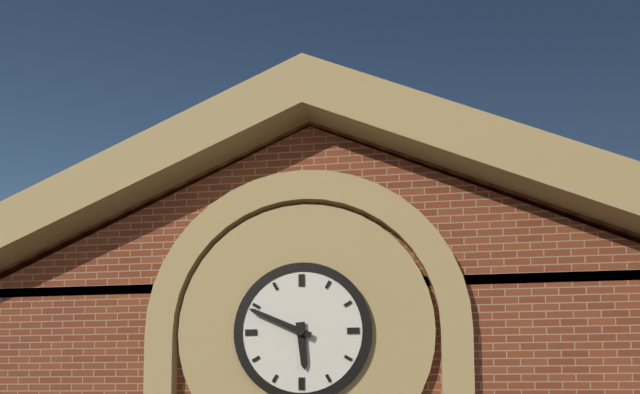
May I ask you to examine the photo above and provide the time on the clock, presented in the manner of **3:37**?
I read **5:49**
